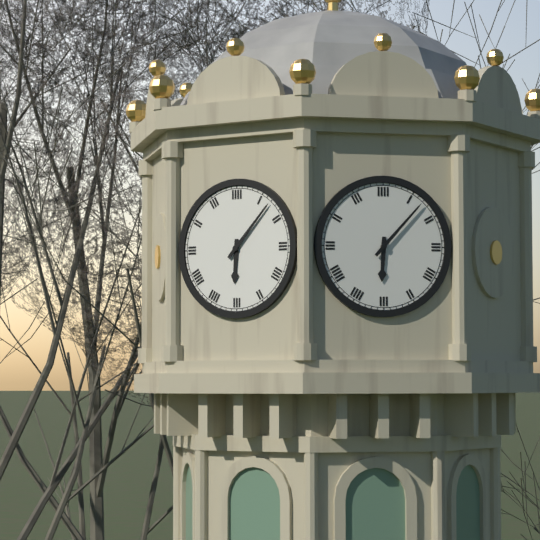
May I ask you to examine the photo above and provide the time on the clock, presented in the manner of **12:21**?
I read **6:07**
